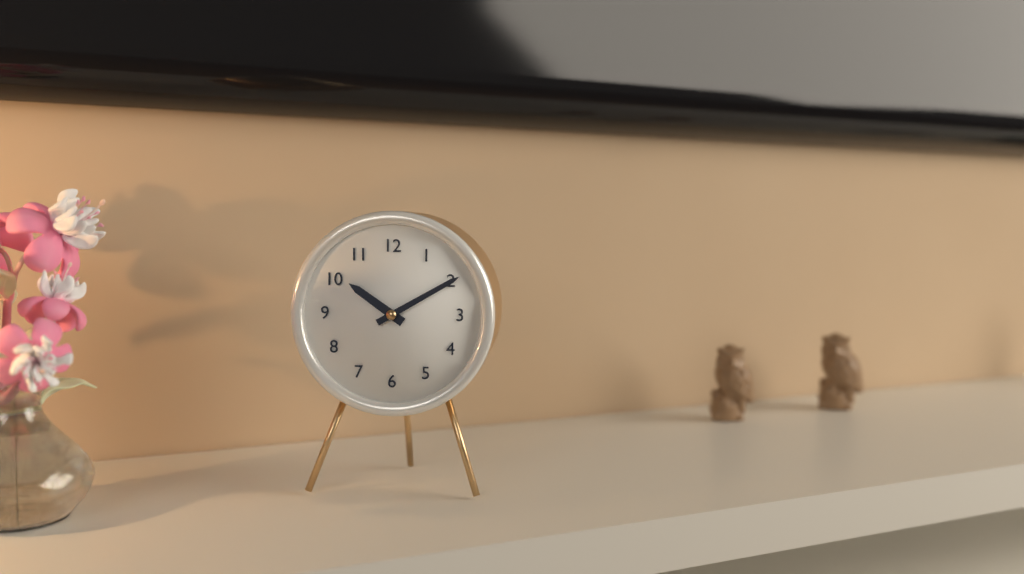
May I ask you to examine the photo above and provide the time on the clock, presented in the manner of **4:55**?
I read **10:10**
